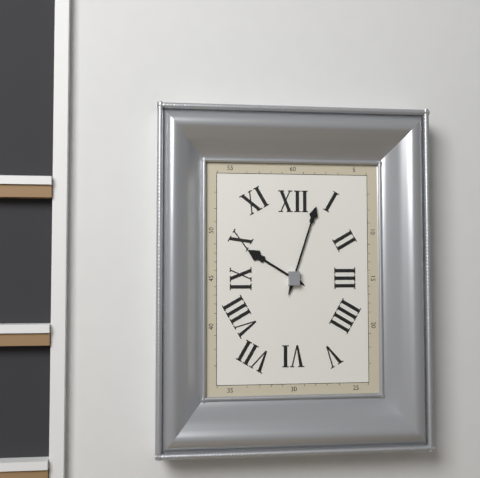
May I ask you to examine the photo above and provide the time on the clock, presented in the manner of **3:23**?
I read **10:03**
